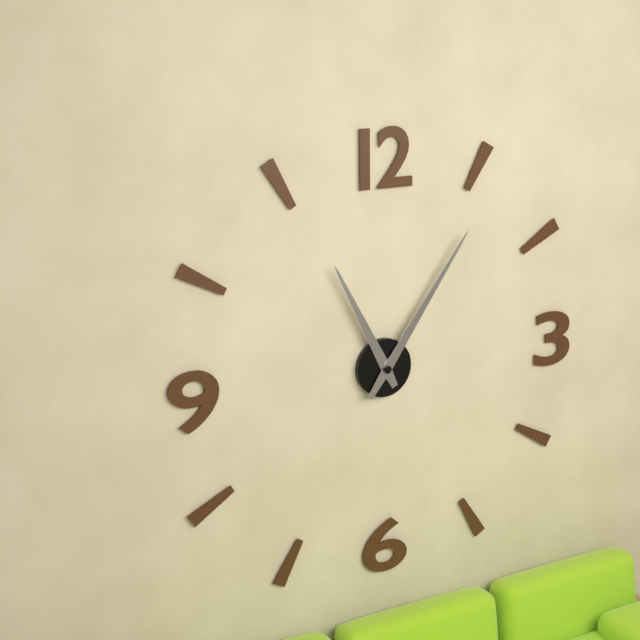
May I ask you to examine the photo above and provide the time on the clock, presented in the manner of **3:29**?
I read **11:06**
